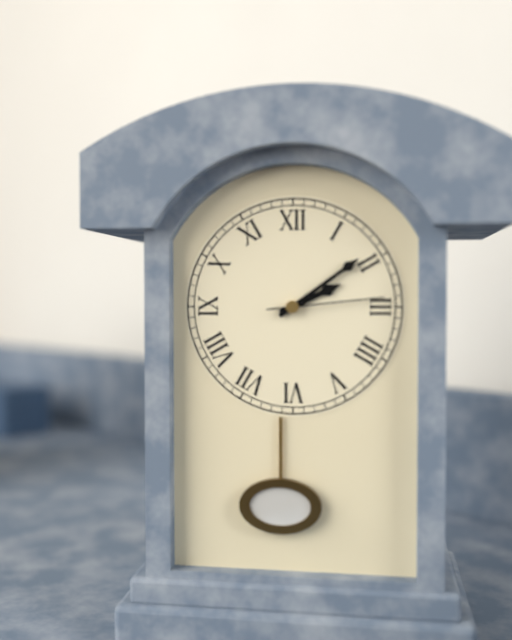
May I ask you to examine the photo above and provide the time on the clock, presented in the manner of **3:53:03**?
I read **2:09:14**
